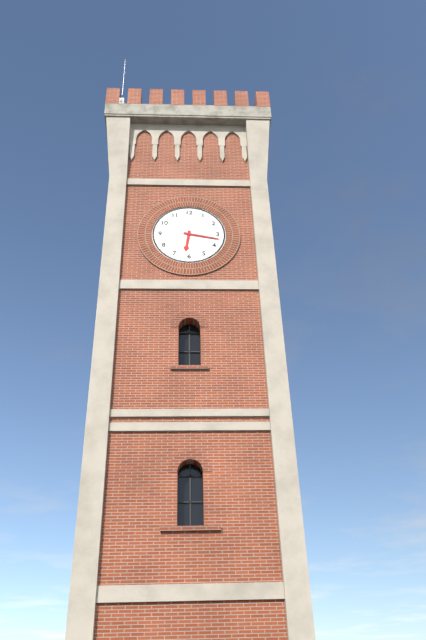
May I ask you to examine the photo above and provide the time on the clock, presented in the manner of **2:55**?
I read **6:17**
